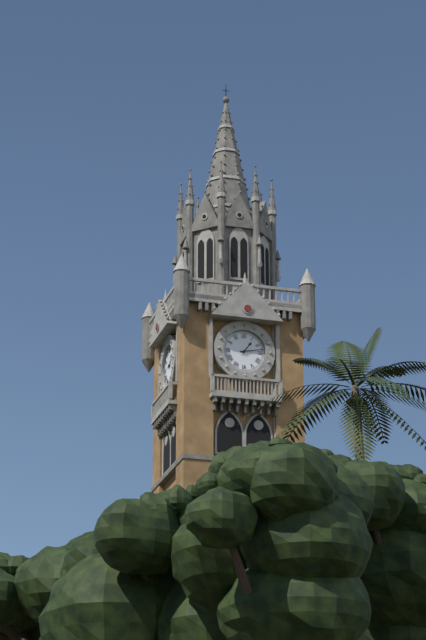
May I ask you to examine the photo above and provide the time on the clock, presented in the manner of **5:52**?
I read **1:13**
